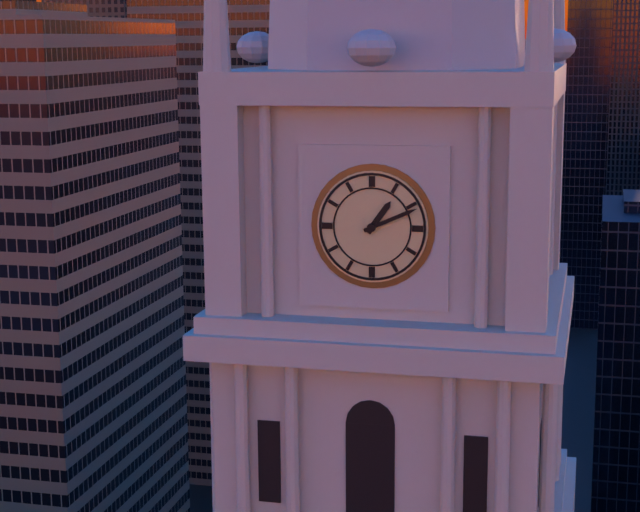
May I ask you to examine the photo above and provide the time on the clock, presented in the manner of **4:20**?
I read **1:11**
